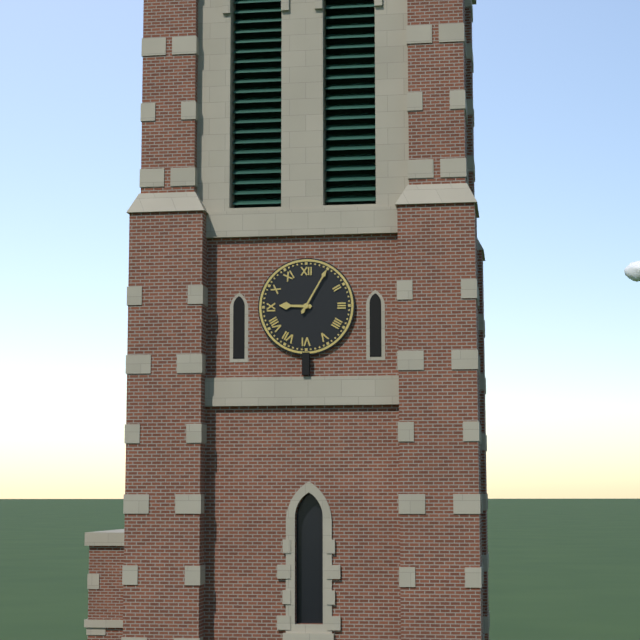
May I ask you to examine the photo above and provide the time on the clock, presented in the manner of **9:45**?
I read **9:05**
